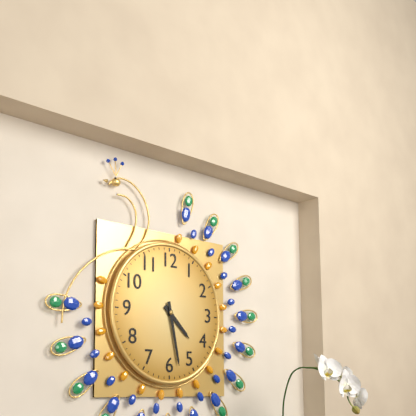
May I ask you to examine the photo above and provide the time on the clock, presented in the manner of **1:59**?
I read **4:28**
